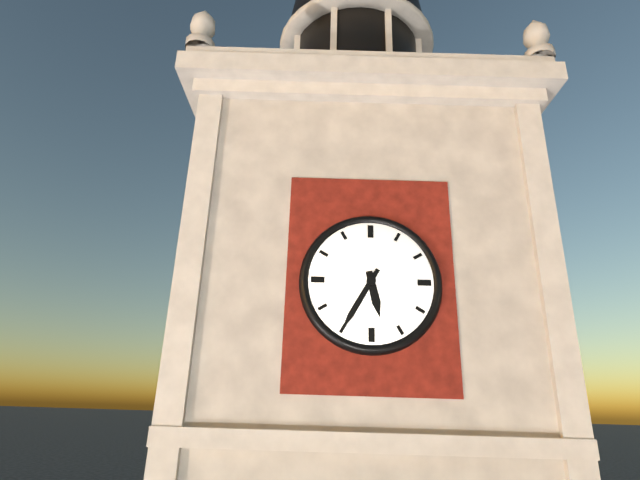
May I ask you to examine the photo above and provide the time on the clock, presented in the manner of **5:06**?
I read **5:35**
